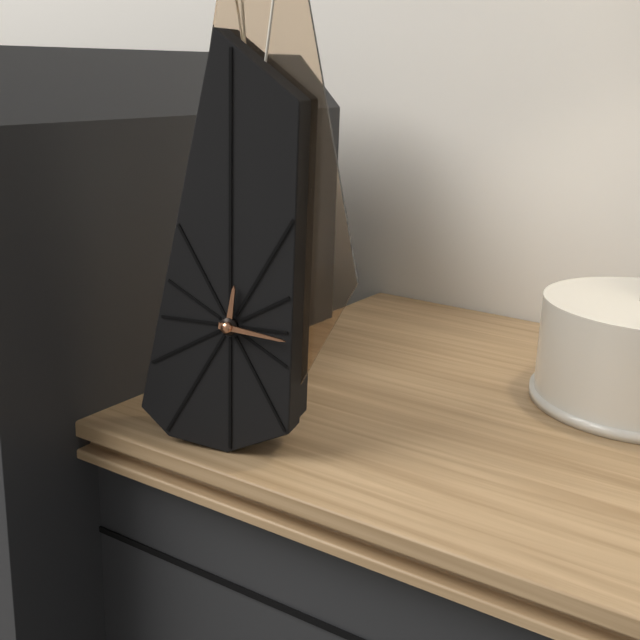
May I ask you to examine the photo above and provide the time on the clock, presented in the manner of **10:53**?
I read **12:16**
